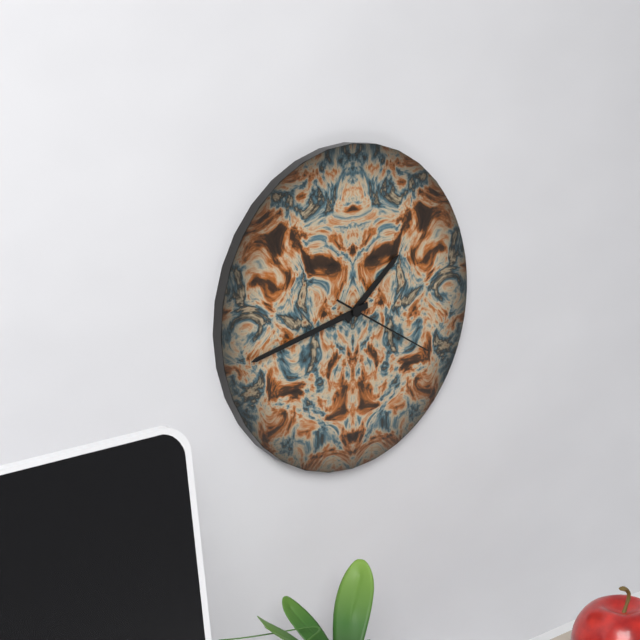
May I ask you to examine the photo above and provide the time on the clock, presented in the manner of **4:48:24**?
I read **1:43:20**
